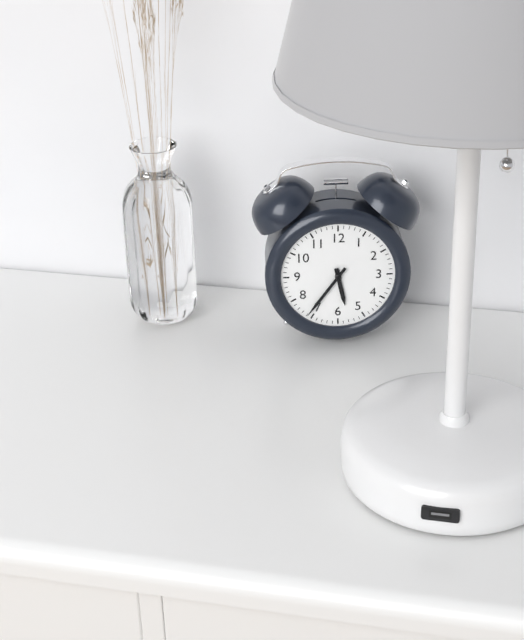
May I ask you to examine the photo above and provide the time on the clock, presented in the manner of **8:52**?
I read **5:36**
